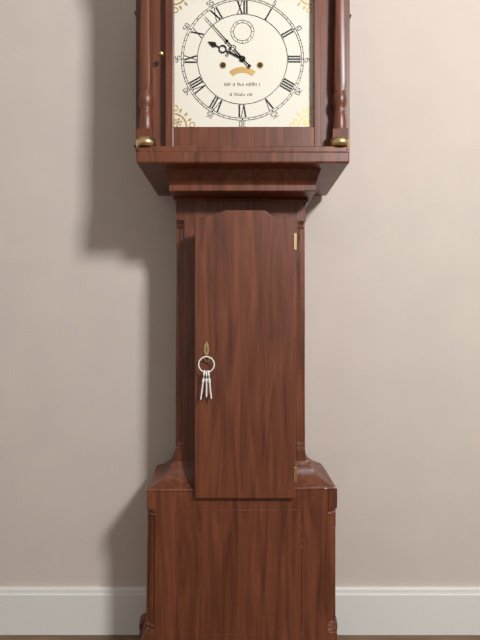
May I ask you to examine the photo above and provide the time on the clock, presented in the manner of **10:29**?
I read **9:53**
